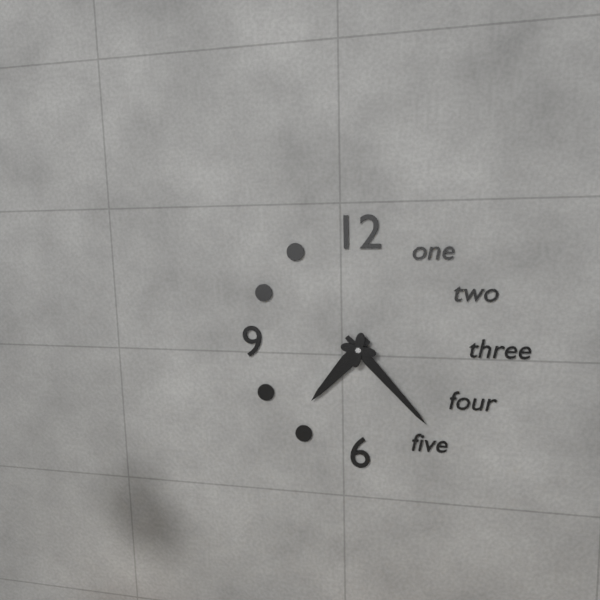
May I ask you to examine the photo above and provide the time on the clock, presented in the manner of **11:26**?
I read **7:23**
